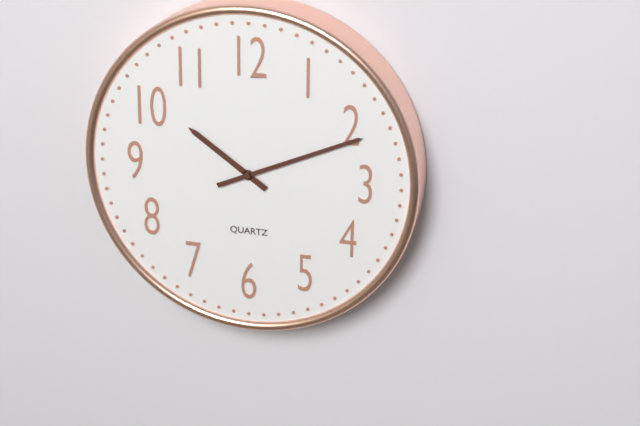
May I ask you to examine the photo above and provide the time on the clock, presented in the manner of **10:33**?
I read **10:11**
